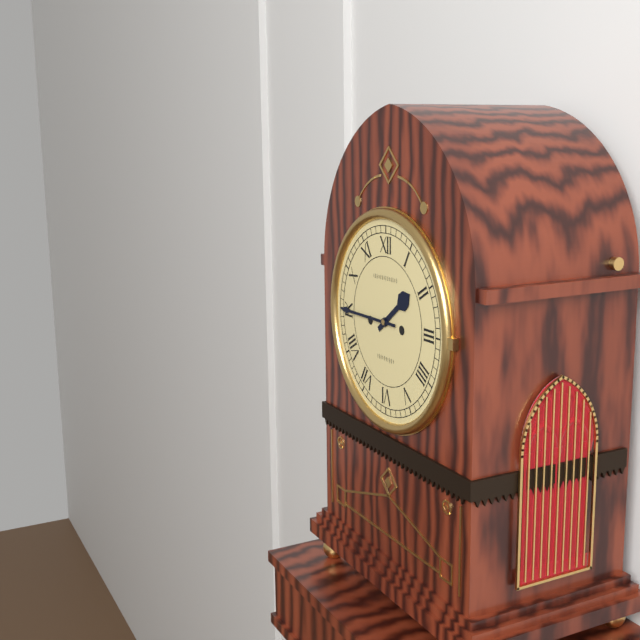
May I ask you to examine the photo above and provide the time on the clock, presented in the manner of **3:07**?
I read **1:45**
